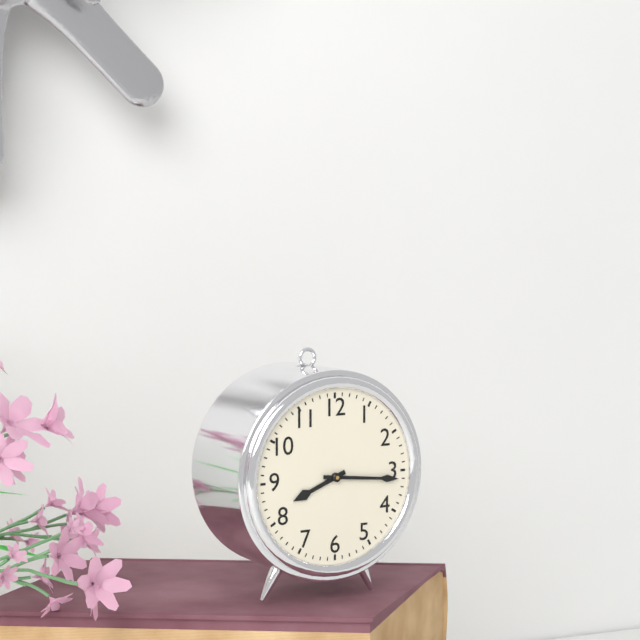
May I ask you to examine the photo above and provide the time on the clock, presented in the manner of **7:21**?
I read **8:16**
